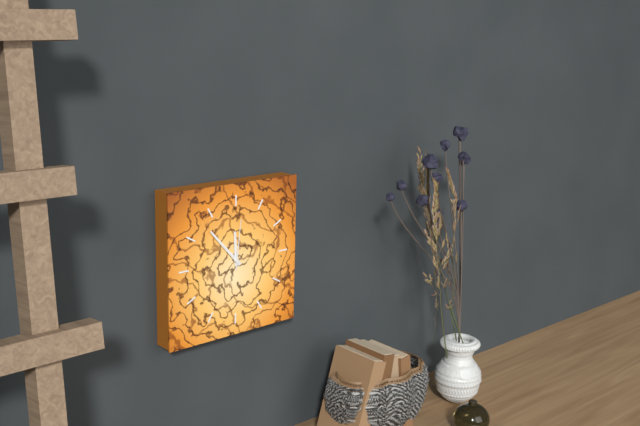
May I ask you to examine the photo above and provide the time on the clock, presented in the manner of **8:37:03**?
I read **11:53:01**
